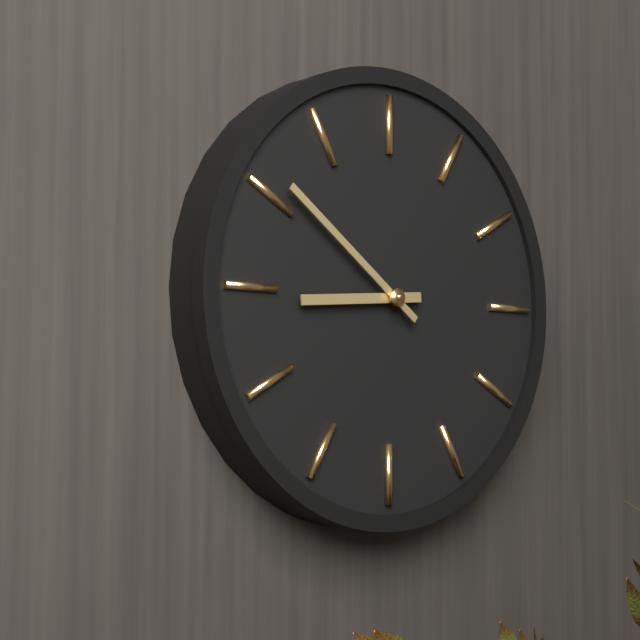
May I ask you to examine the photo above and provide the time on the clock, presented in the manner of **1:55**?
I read **8:51**
